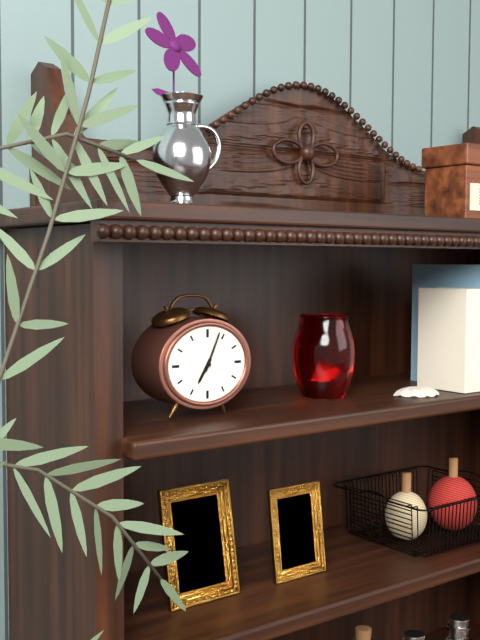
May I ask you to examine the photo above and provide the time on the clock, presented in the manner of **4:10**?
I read **7:04**
